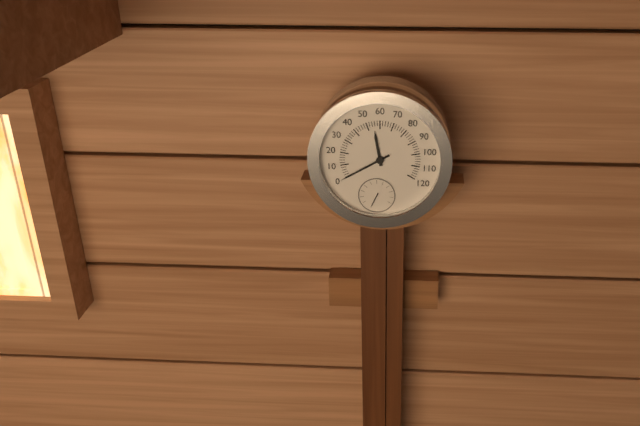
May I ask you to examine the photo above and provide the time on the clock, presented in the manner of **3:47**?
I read **11:40**
